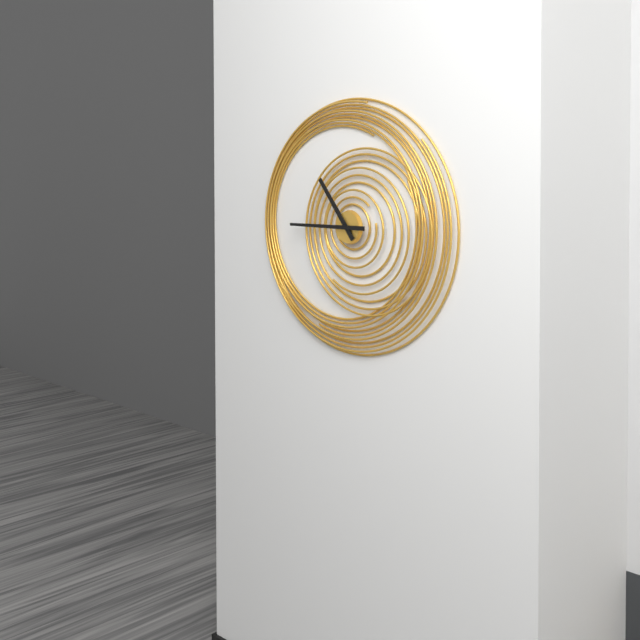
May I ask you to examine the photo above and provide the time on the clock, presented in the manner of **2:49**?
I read **10:45**
